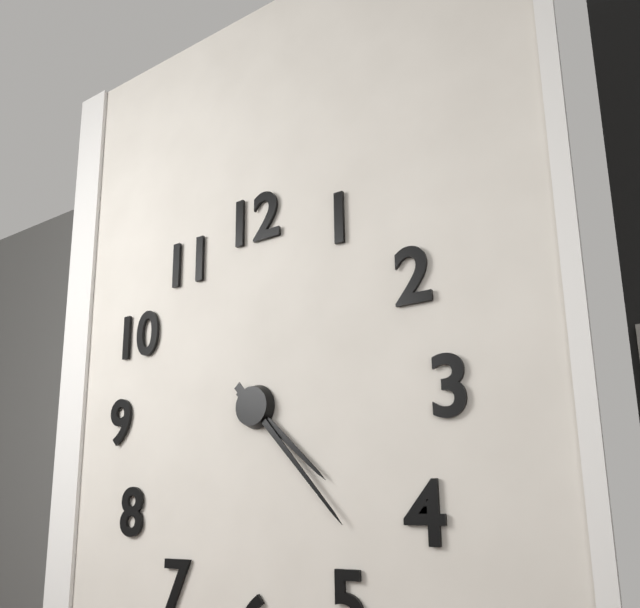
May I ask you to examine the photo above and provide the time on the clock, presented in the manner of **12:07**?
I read **4:23**
